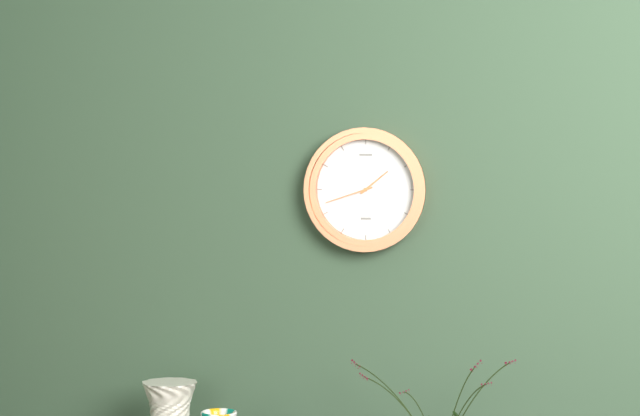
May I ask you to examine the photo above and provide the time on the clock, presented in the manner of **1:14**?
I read **1:42**
